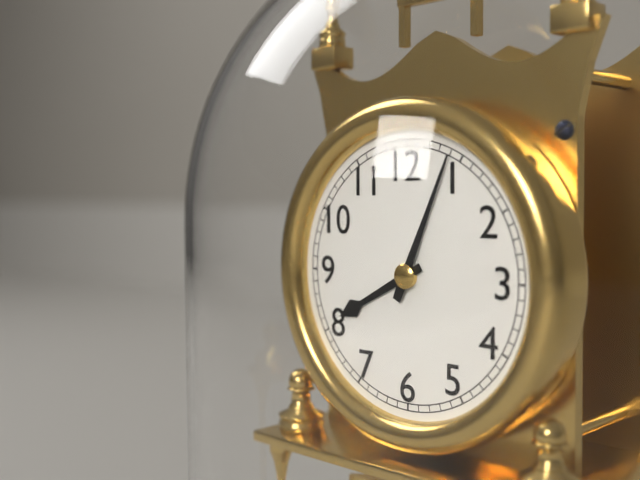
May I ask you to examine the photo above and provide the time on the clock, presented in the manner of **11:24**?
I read **8:04**
